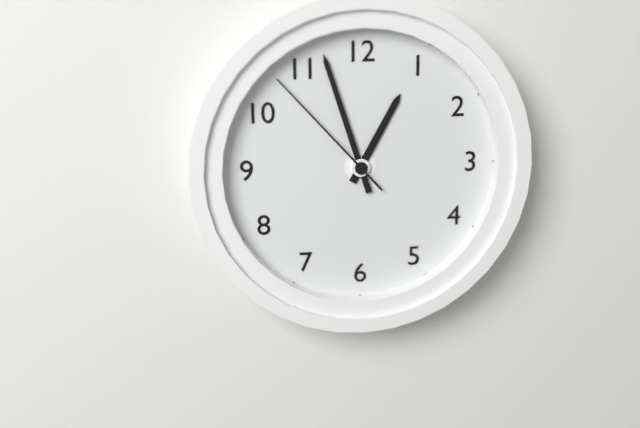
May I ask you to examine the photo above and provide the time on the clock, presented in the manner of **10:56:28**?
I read **12:57:53**
